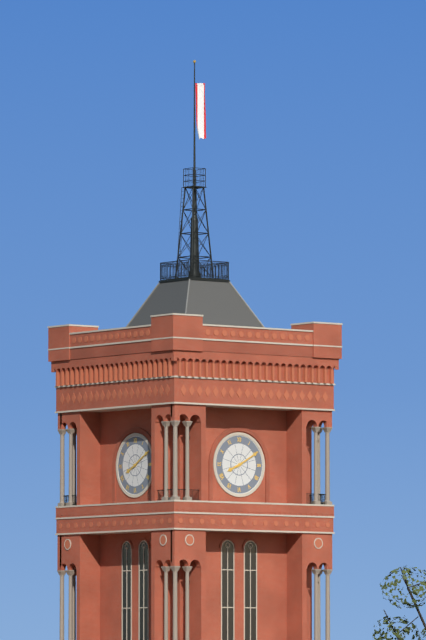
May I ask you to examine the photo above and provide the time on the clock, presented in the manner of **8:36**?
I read **8:10**
